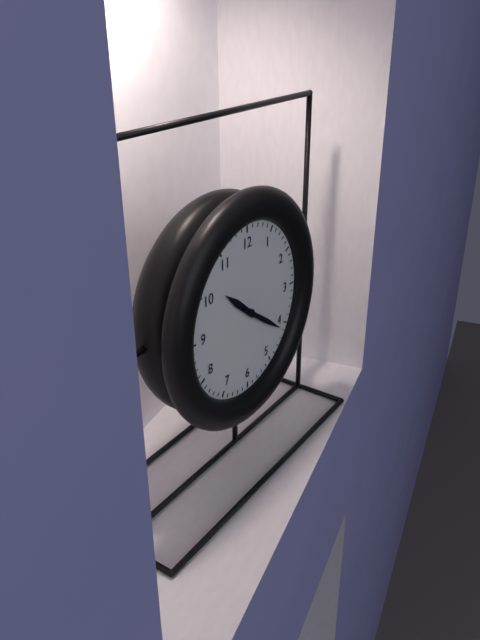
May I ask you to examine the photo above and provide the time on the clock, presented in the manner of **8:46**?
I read **10:21**
